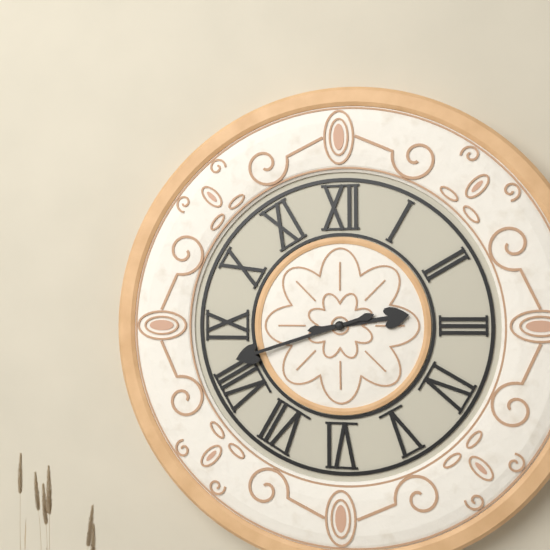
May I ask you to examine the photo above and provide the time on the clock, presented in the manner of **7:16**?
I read **2:42**
